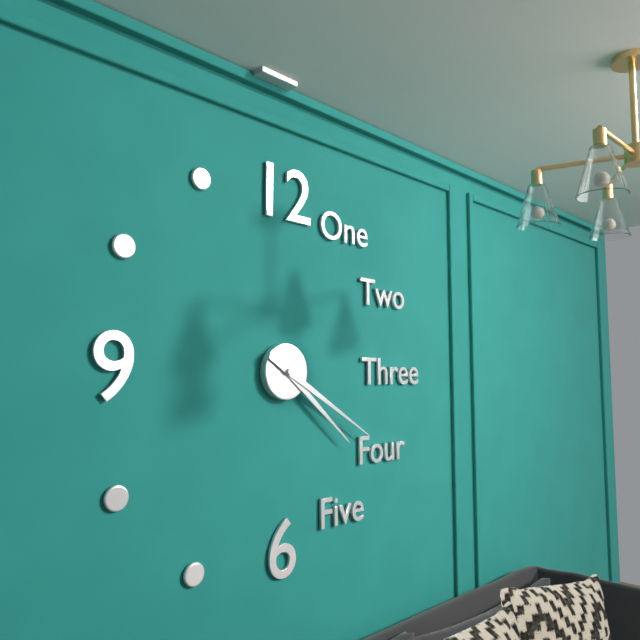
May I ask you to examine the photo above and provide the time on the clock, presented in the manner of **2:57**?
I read **4:20**
